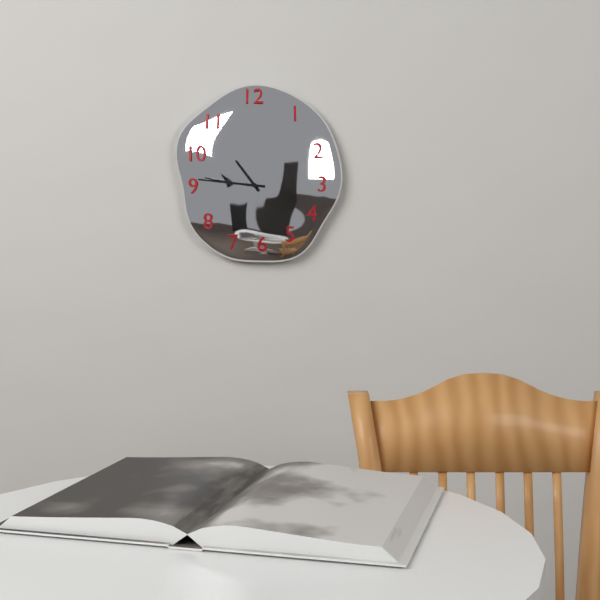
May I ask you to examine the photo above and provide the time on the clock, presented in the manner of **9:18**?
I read **10:46**
